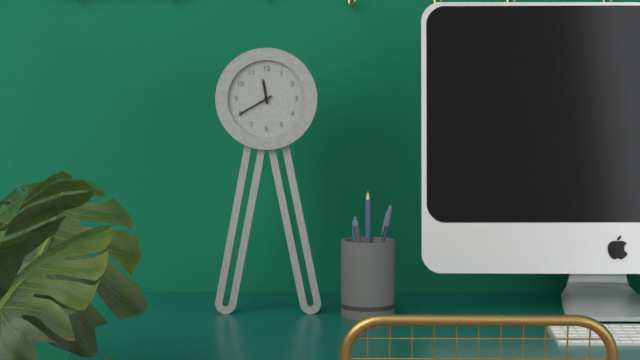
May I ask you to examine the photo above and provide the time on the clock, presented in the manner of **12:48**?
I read **11:40**
